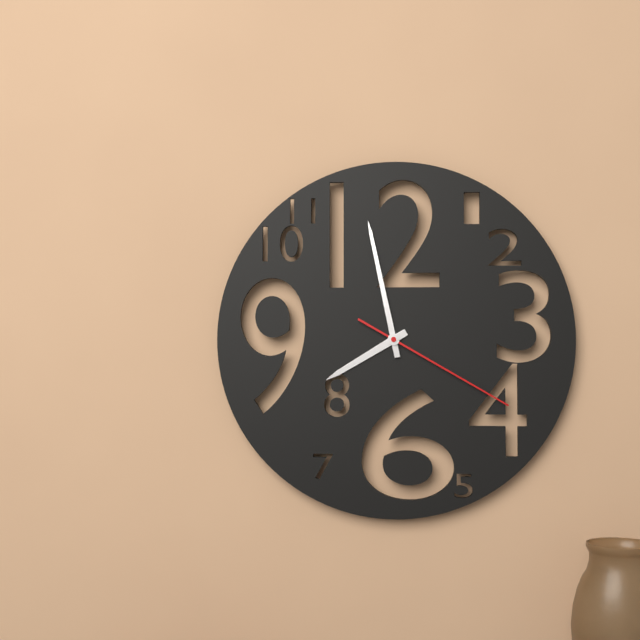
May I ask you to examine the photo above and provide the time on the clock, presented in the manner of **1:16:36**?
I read **7:58:20**
